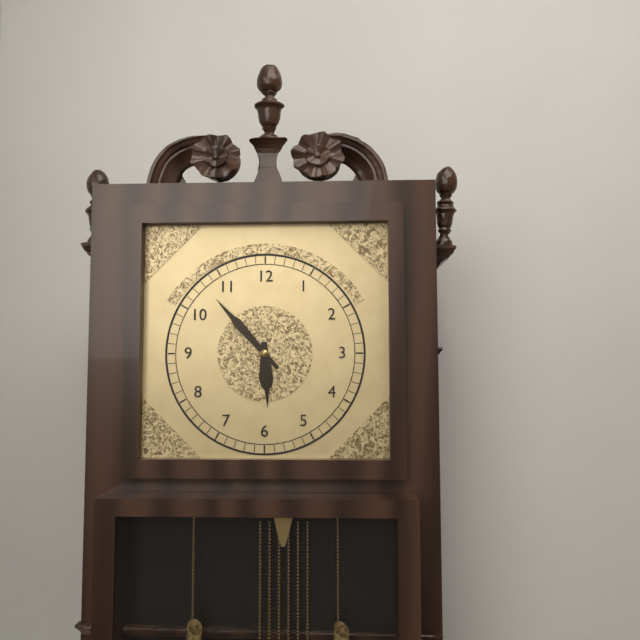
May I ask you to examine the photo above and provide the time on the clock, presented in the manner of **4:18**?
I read **5:53**
